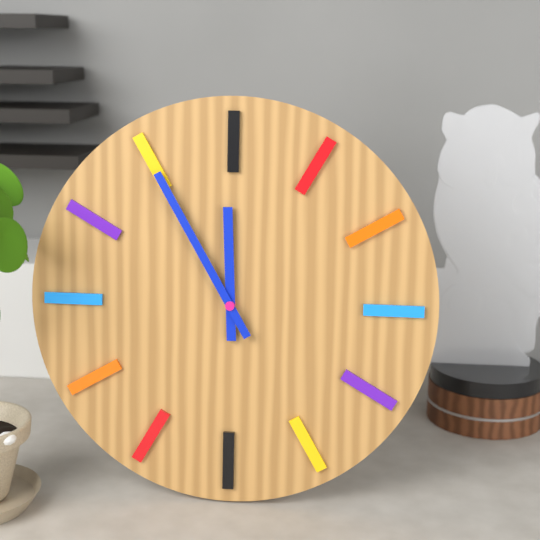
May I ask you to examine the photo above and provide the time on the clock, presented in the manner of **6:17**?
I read **11:55**
